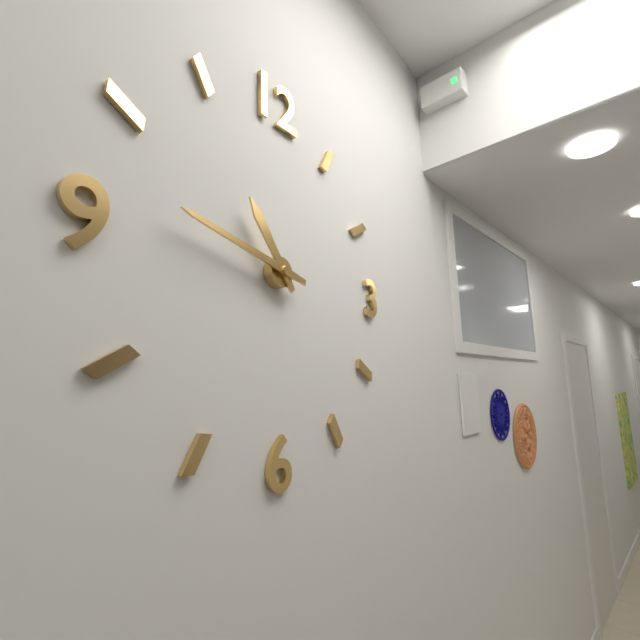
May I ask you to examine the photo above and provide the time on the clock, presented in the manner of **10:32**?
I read **10:47**
